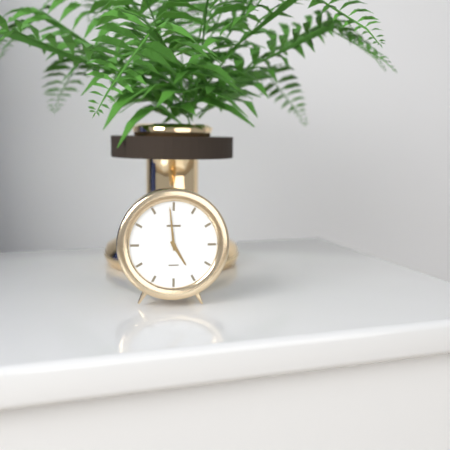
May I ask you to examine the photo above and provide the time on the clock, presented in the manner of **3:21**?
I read **4:59**
